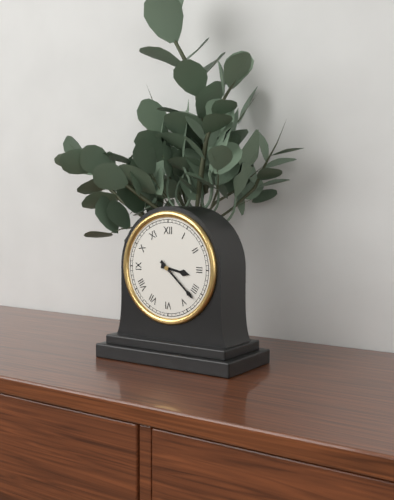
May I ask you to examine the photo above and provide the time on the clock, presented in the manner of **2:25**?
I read **3:22**
